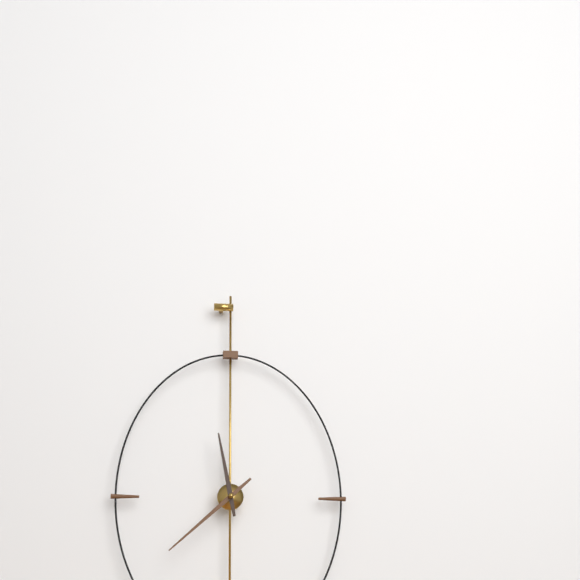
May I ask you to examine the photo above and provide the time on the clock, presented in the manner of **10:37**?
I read **11:38**
